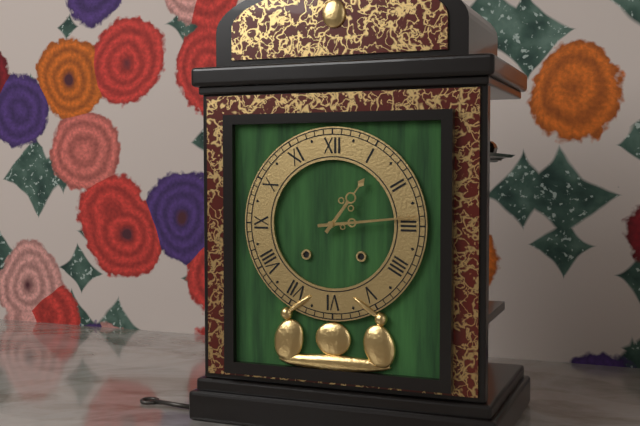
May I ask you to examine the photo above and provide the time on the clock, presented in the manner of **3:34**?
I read **1:14**
